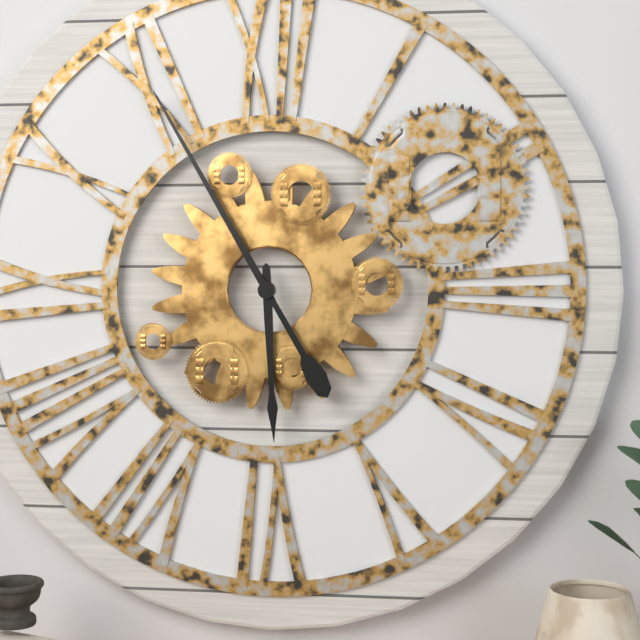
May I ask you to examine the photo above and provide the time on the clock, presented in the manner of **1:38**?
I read **5:55**
